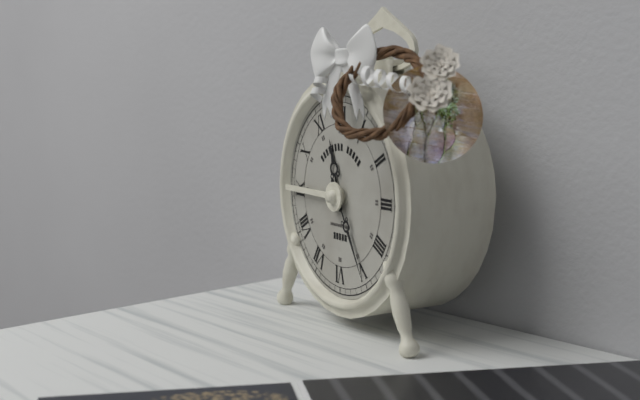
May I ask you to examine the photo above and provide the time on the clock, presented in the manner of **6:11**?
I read **11:25**
